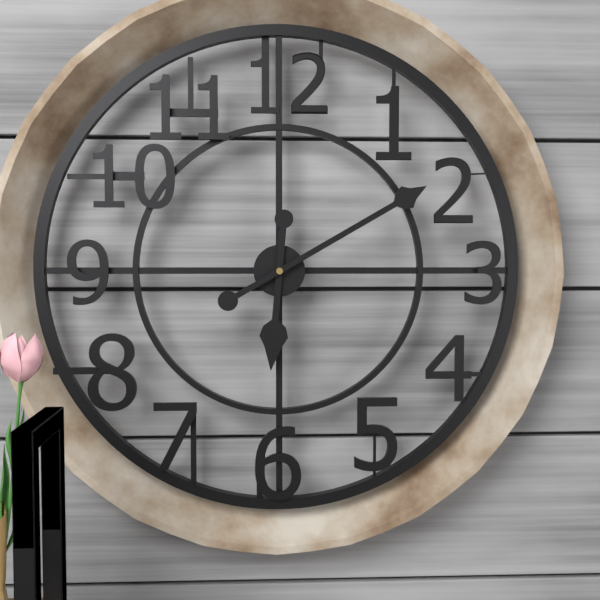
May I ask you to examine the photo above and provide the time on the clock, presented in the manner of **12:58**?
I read **6:10**
